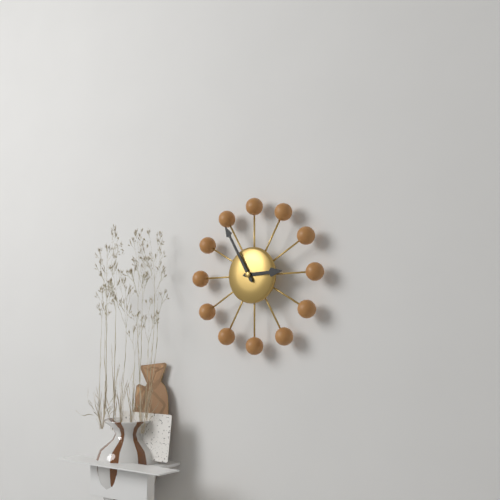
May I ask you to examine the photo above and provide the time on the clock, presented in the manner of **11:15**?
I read **2:55**
